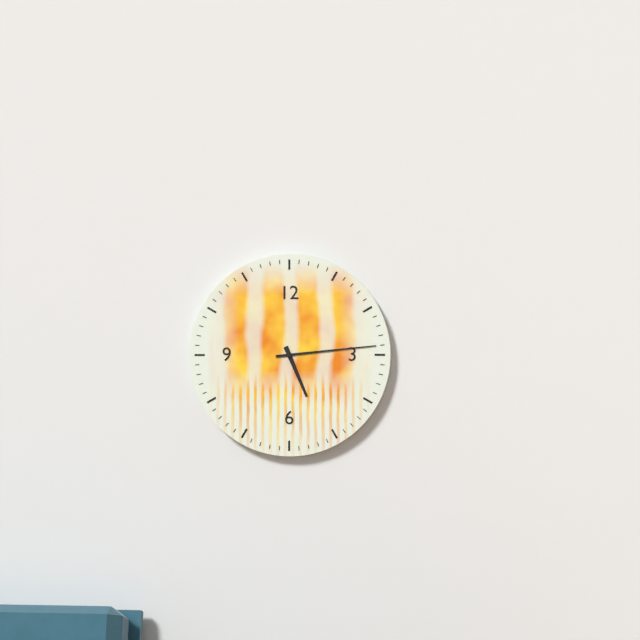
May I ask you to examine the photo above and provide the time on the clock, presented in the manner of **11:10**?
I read **5:14**
